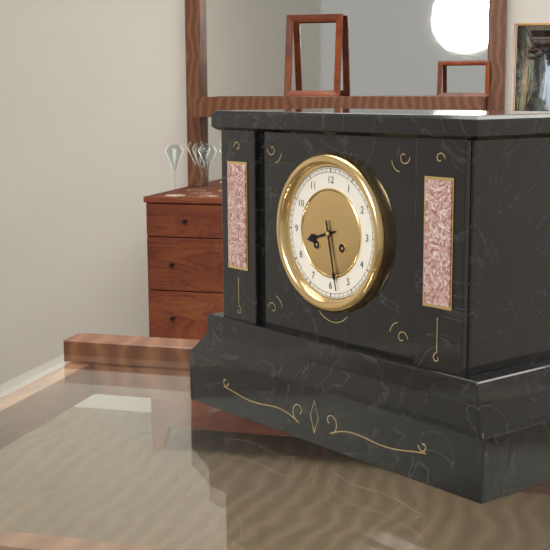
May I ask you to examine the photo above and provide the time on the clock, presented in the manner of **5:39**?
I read **8:28**
